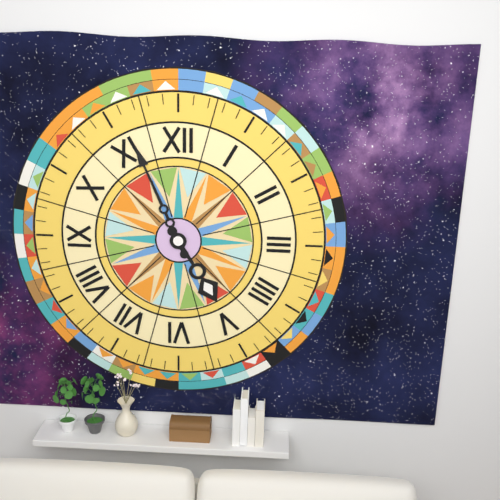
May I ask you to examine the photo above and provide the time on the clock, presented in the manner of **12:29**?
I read **4:56**
